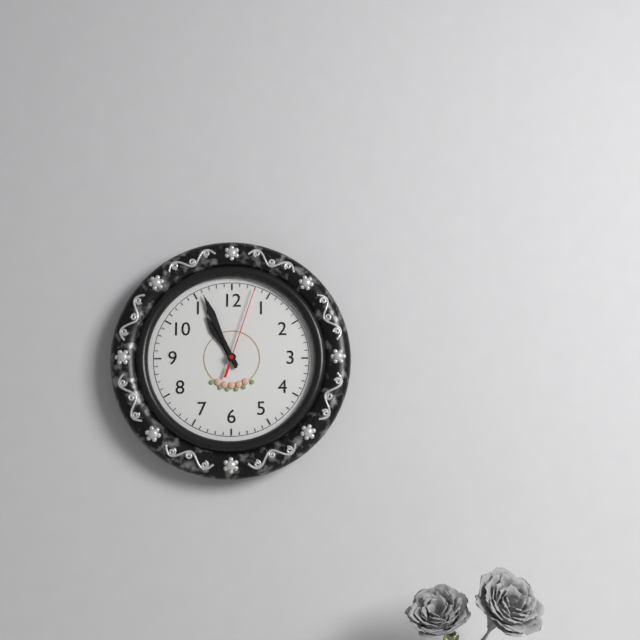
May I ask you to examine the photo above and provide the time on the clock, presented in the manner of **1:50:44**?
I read **10:56:03**
